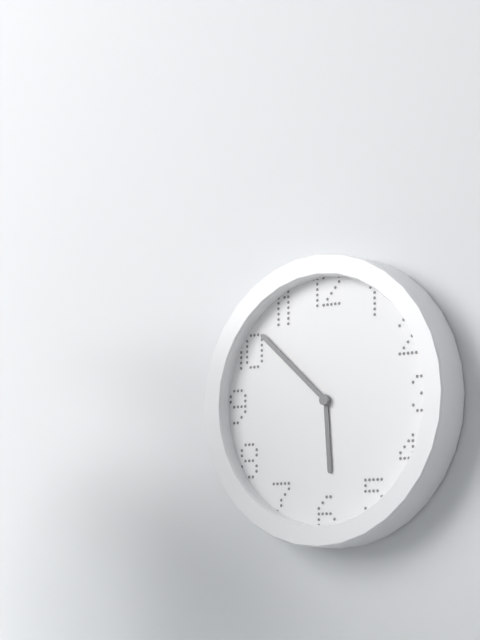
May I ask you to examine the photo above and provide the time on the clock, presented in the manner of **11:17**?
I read **5:52**
